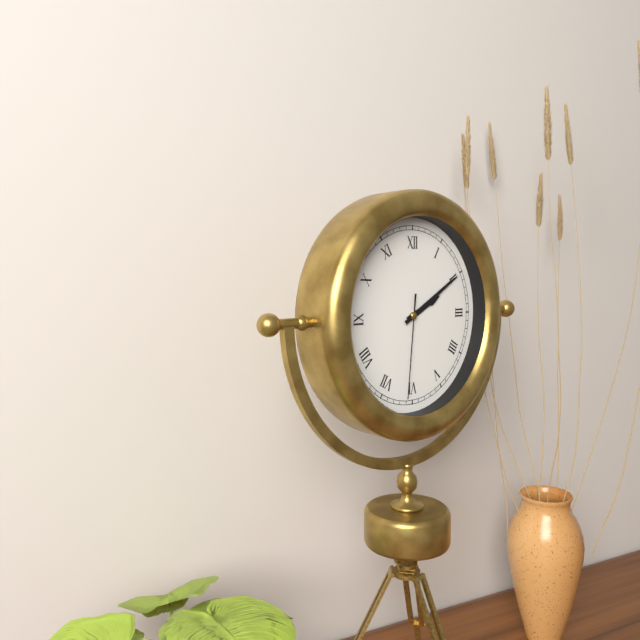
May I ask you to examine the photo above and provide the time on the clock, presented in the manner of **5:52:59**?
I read **2:10:31**
